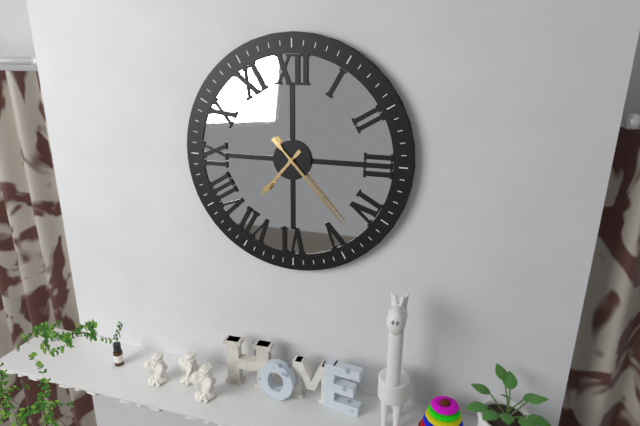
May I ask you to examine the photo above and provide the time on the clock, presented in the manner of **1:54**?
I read **7:23**
